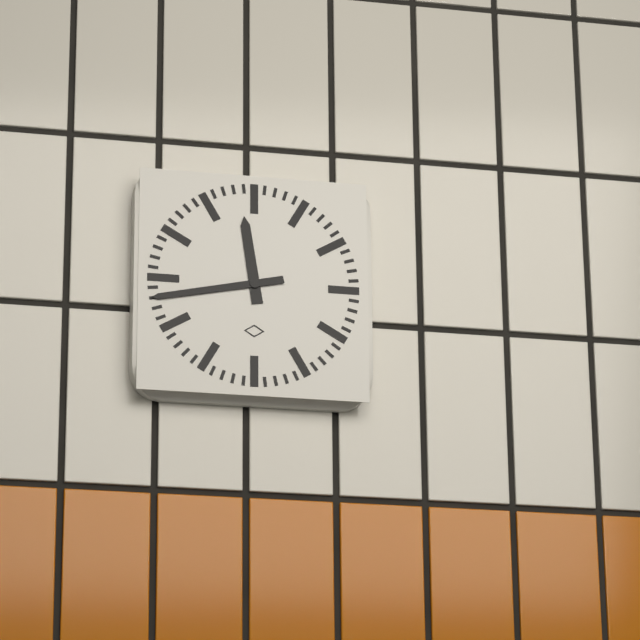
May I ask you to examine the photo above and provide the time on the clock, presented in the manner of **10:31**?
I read **11:43**
